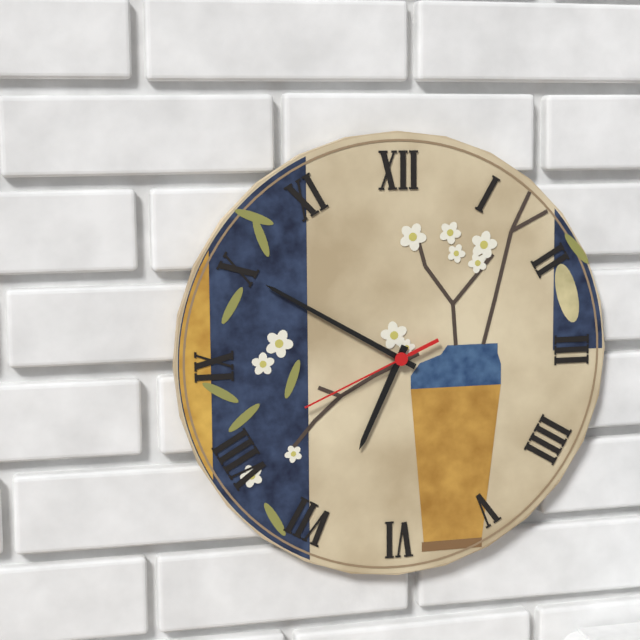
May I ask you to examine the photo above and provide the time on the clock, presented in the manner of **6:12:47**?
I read **6:50:41**
